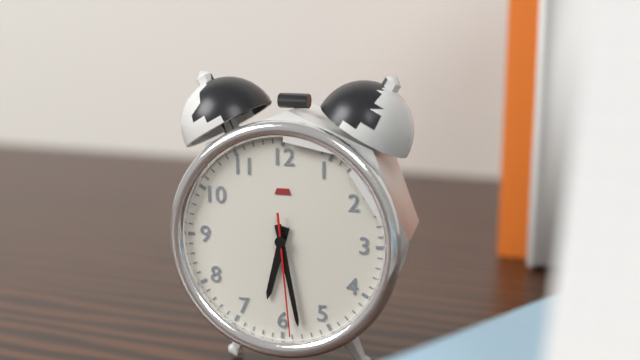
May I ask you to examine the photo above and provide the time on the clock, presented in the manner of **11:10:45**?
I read **6:28:29**
